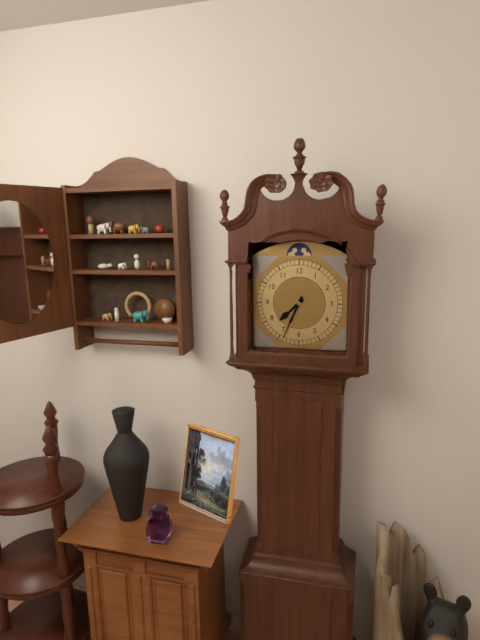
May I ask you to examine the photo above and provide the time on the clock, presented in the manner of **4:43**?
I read **7:34**
